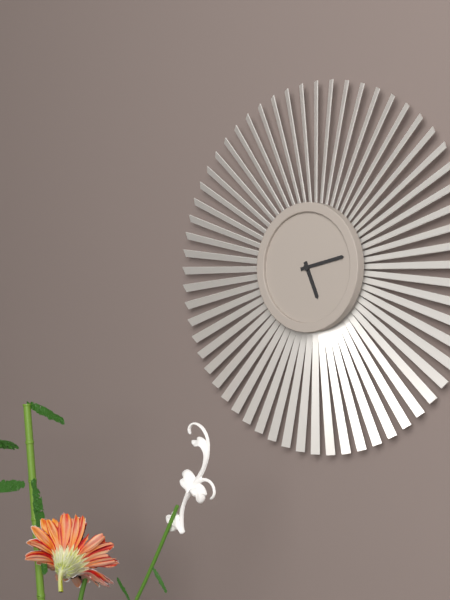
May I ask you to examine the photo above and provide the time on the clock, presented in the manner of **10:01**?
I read **5:13**
